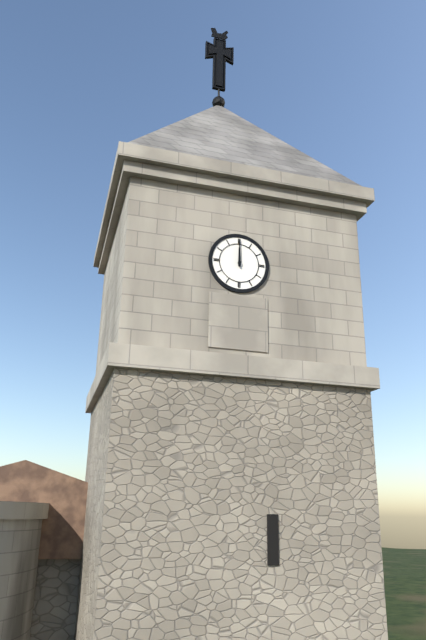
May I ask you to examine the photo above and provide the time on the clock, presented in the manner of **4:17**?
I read **12:00**
